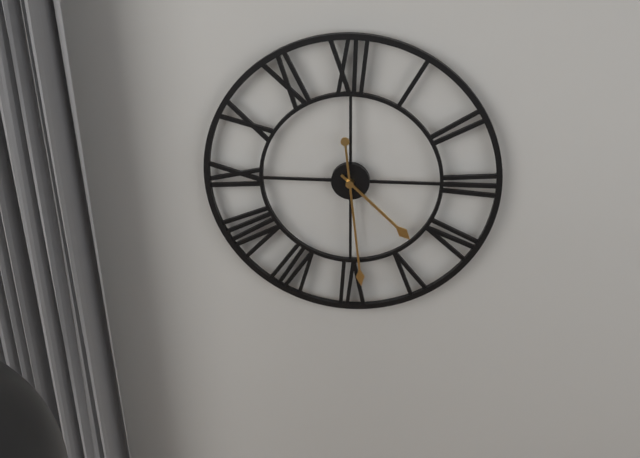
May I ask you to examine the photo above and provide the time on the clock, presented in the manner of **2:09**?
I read **4:29**
